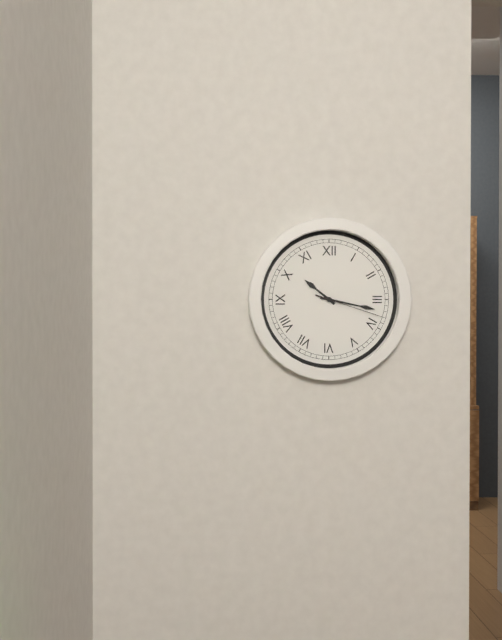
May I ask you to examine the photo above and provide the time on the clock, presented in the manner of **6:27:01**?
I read **10:17:18**
